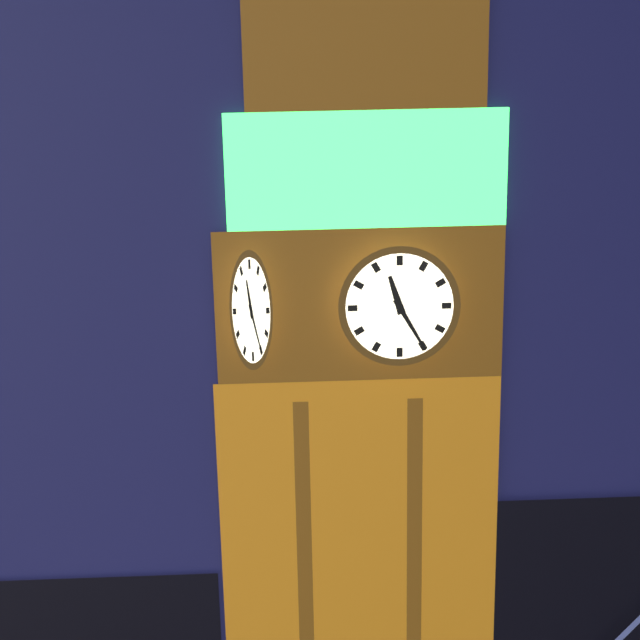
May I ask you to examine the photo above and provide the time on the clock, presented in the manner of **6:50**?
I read **11:25**
